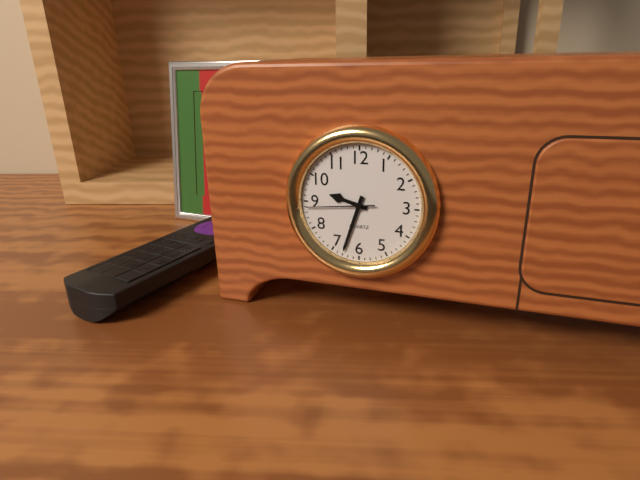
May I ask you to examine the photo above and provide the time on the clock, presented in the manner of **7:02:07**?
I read **9:33:44**
